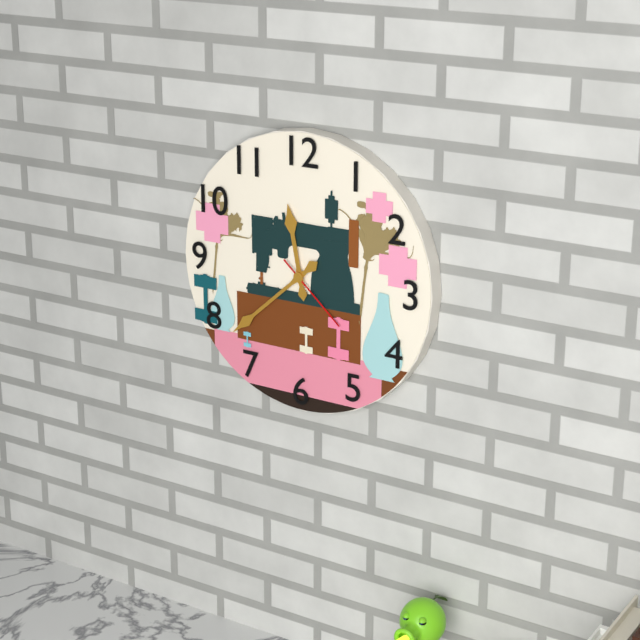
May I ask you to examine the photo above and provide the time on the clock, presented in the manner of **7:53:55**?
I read **11:38:22**
